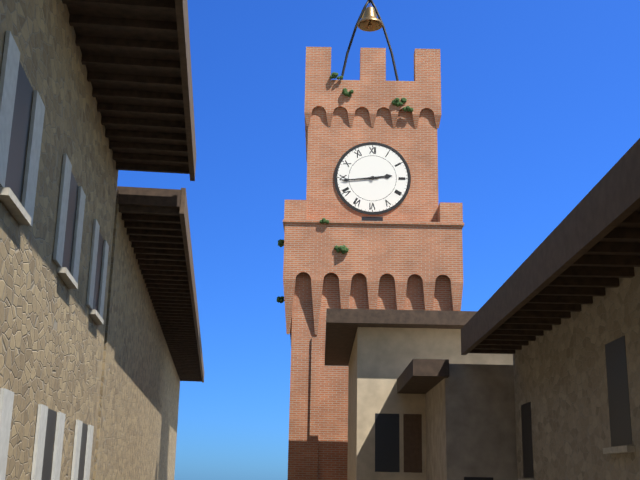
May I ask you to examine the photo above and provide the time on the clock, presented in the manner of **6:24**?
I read **2:44**
